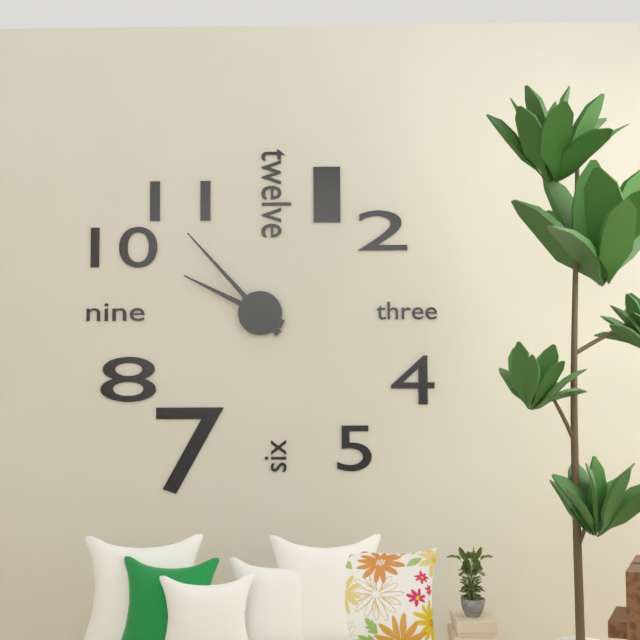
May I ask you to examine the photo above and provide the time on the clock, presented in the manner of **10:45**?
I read **9:53**
